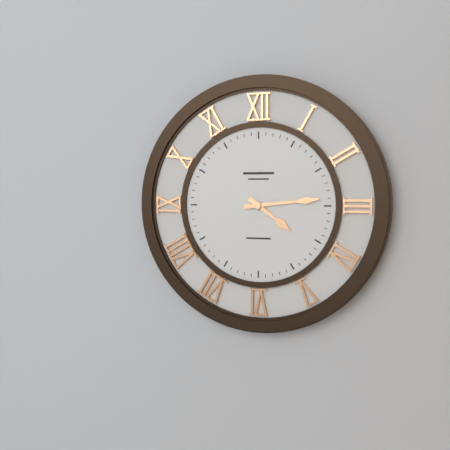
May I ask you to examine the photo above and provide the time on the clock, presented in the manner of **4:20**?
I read **4:14**
